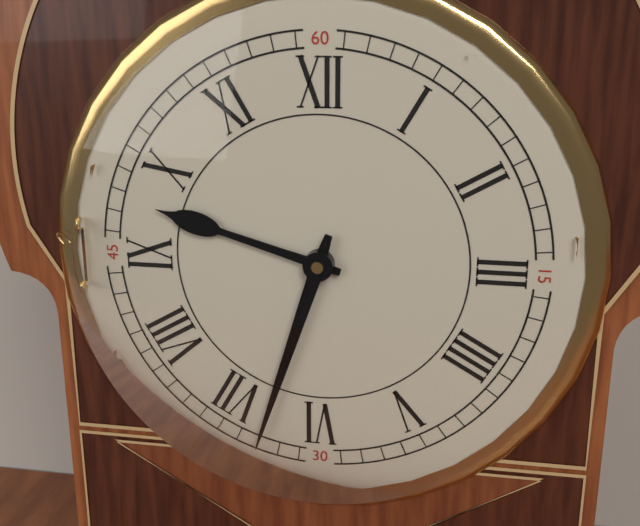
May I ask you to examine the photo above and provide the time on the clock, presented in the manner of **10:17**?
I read **9:33**
